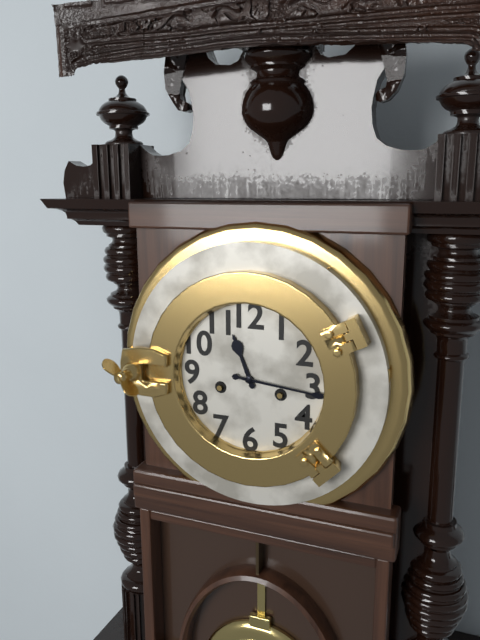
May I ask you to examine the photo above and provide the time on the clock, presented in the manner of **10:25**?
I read **11:16**
